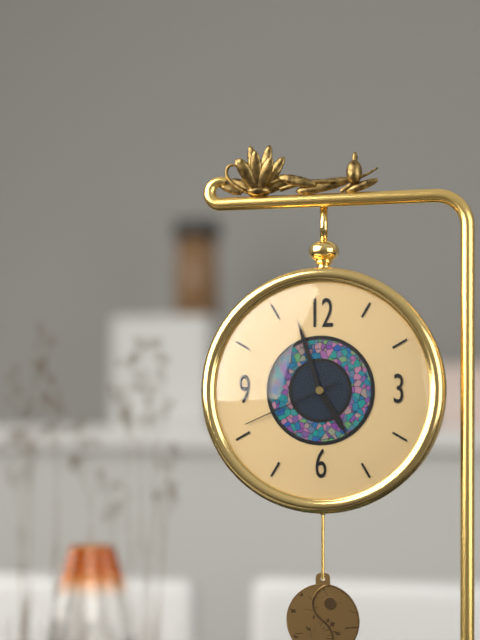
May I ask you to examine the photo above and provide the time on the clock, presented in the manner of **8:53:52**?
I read **4:57:41**
